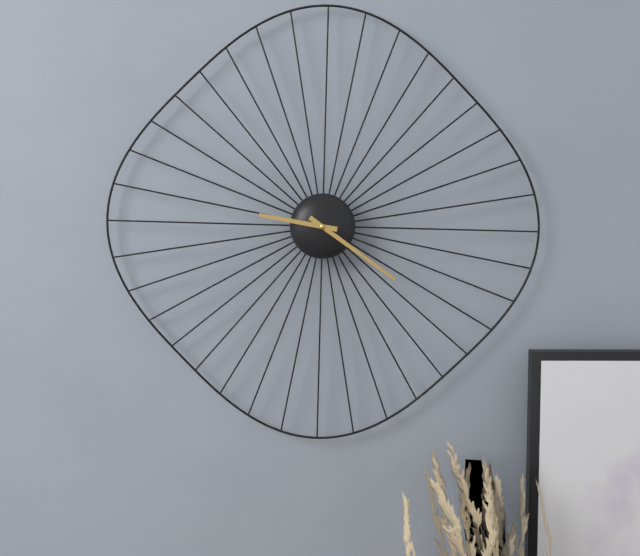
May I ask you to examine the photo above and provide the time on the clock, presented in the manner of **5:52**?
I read **9:21**
